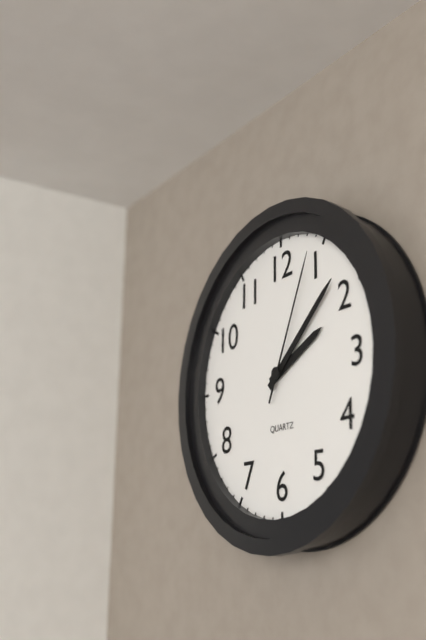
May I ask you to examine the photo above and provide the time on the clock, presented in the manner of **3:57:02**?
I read **2:08:04**
